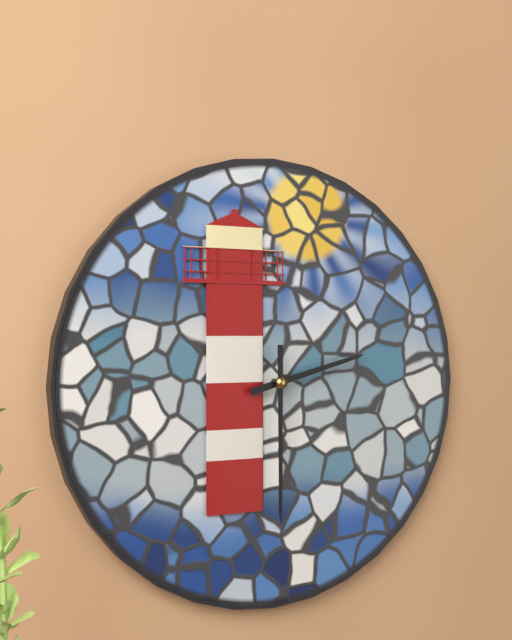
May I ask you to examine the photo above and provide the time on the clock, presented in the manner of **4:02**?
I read **2:30**
